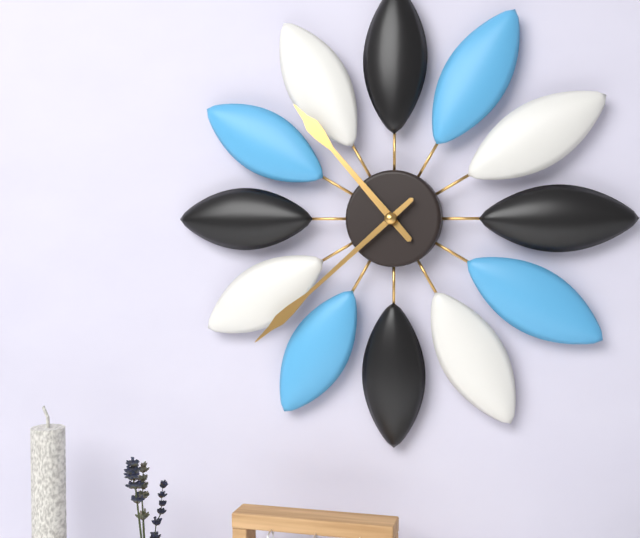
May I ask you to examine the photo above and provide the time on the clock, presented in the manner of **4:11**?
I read **10:38**
